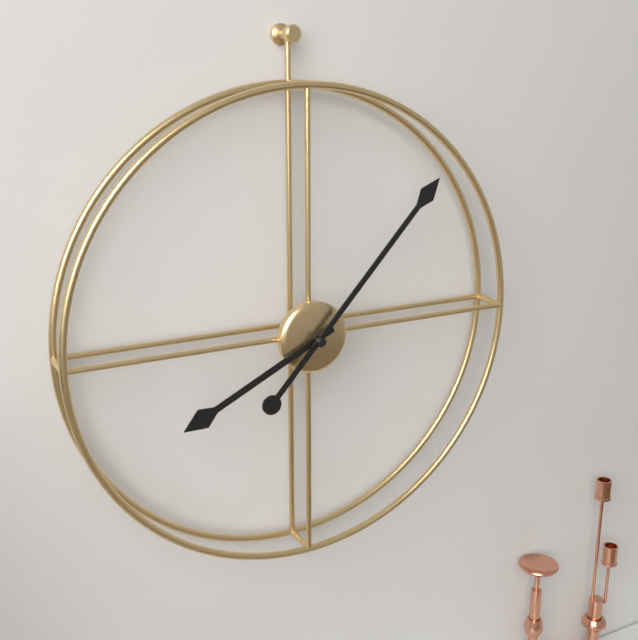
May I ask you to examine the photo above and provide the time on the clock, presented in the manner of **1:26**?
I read **8:07**
